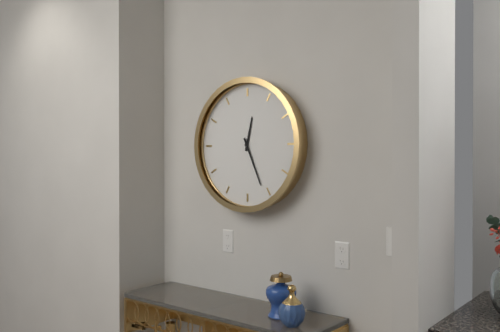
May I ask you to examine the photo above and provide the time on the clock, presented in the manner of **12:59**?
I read **12:26**
